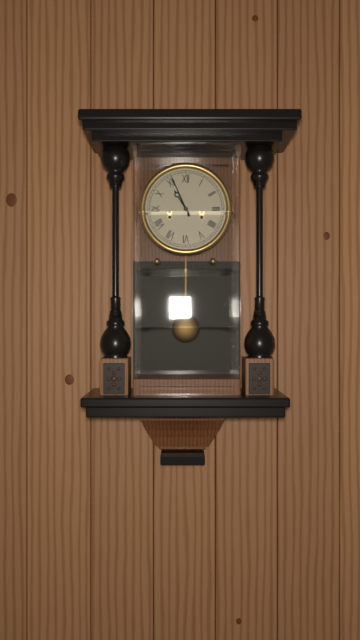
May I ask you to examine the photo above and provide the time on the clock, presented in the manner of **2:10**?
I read **10:56**
